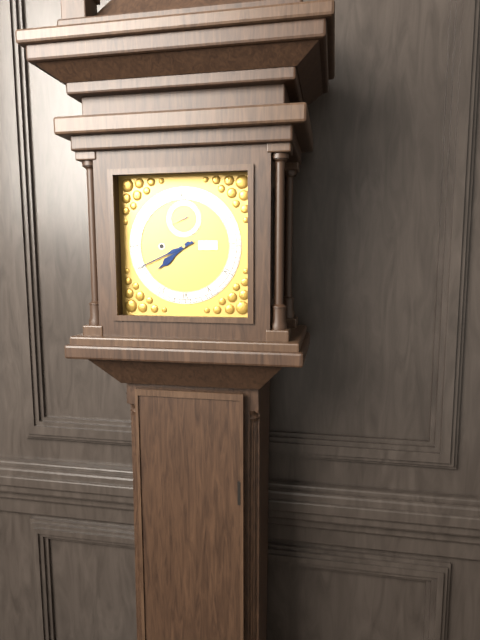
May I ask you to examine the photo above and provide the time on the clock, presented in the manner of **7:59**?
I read **7:41**
